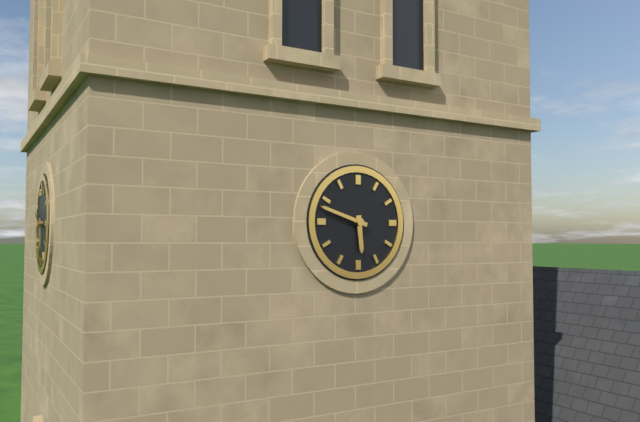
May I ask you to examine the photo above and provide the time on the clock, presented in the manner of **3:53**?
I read **5:48**
